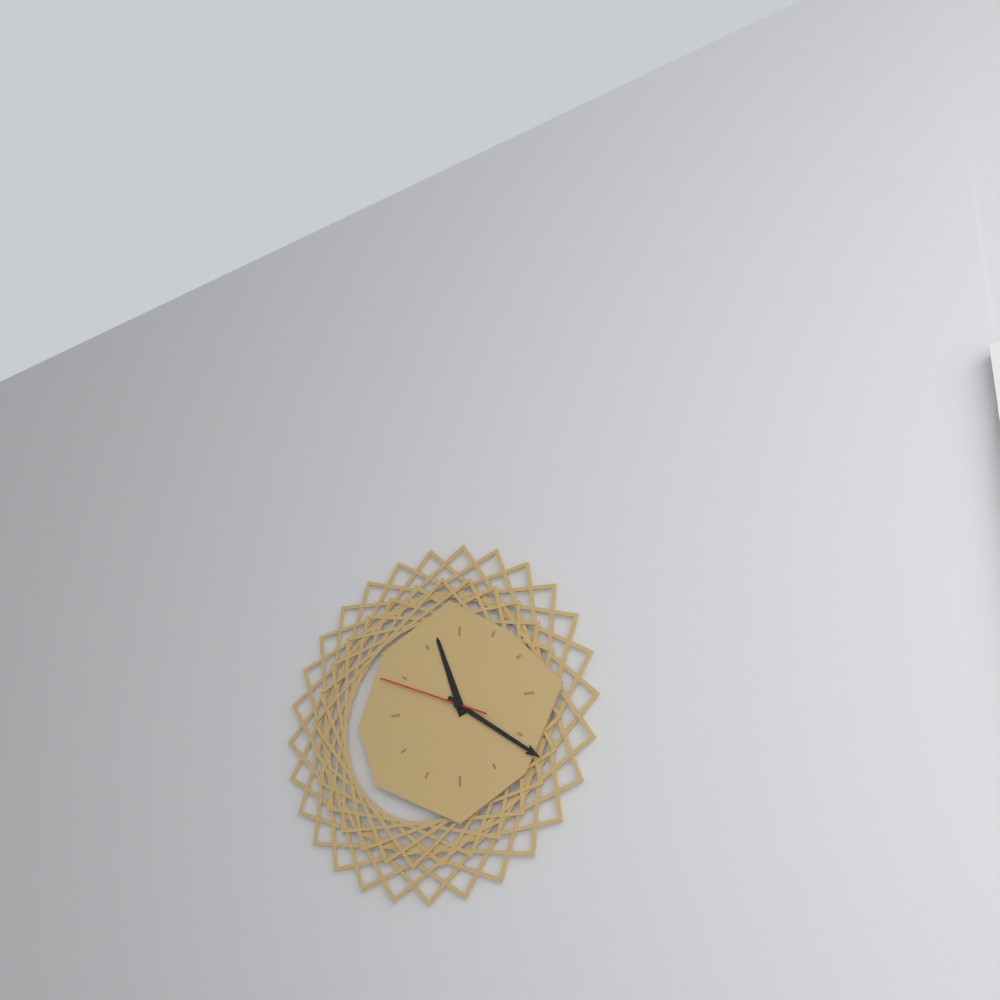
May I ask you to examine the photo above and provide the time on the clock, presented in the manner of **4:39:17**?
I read **11:21:49**
